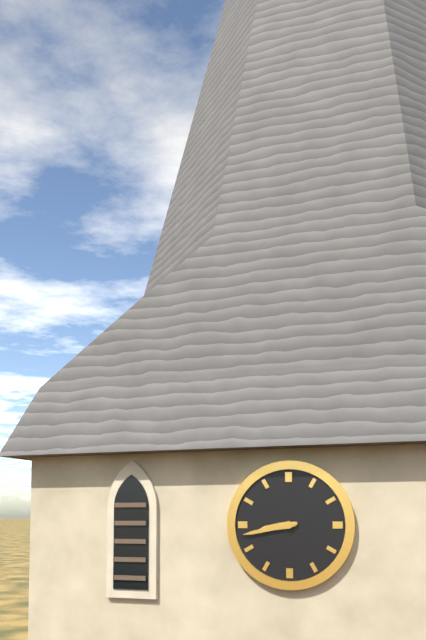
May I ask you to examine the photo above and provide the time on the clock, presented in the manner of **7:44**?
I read **8:43**
